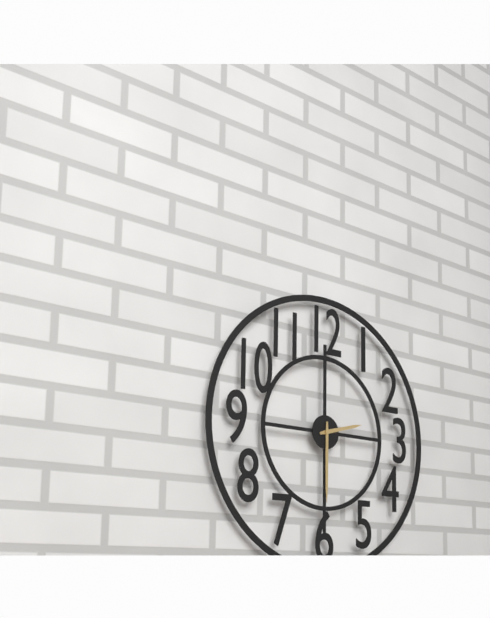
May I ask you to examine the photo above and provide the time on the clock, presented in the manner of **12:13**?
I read **2:30**
